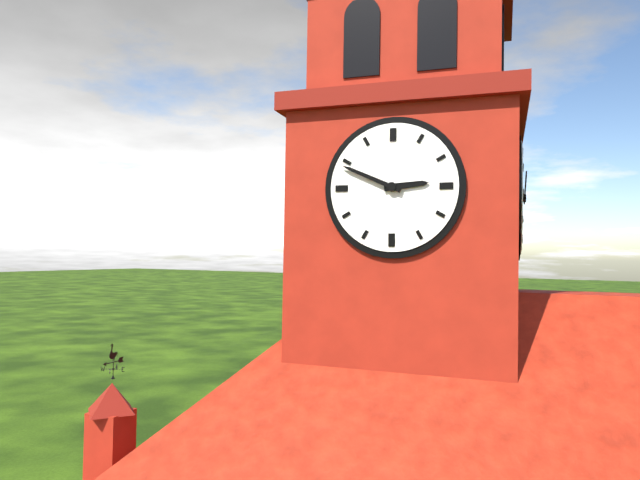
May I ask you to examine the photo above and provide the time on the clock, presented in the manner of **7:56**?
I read **2:49**
